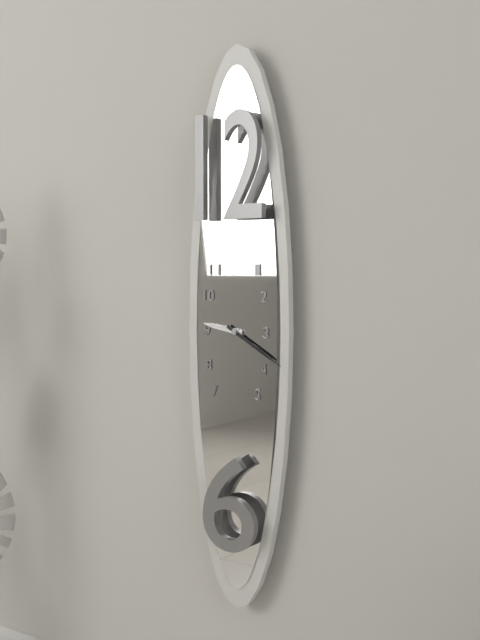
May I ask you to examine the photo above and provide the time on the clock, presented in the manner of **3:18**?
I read **9:20**
